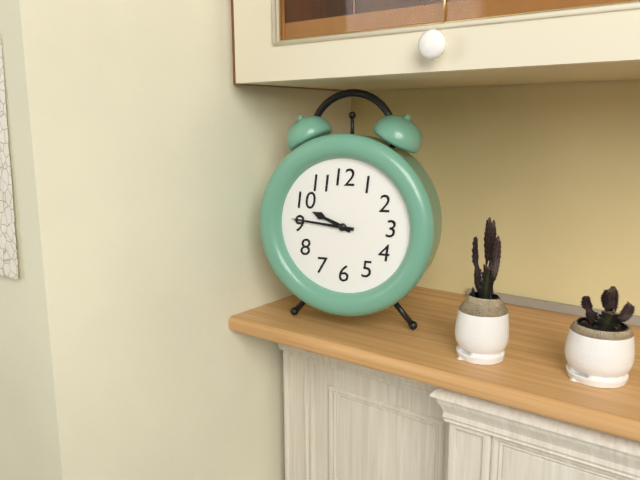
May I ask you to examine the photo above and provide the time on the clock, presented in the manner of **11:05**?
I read **9:46**
